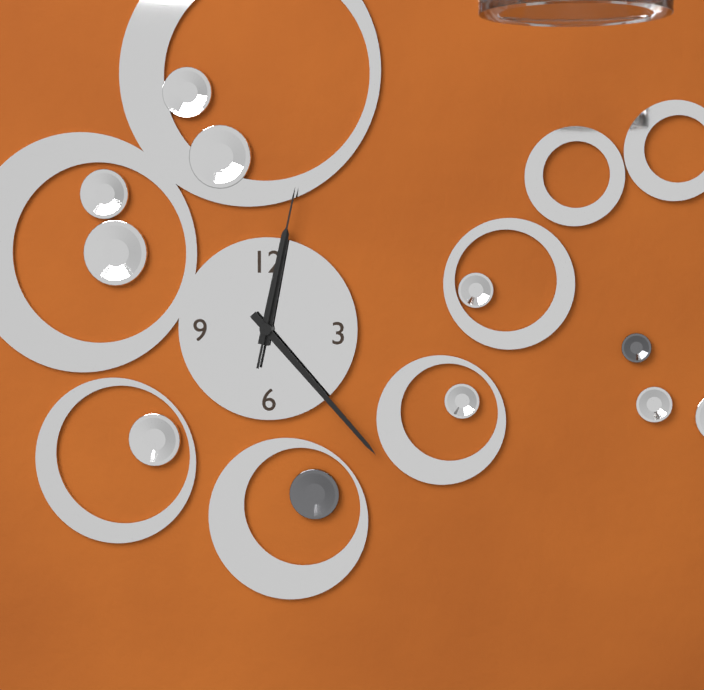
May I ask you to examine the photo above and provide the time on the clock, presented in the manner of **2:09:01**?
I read **12:23:02**
